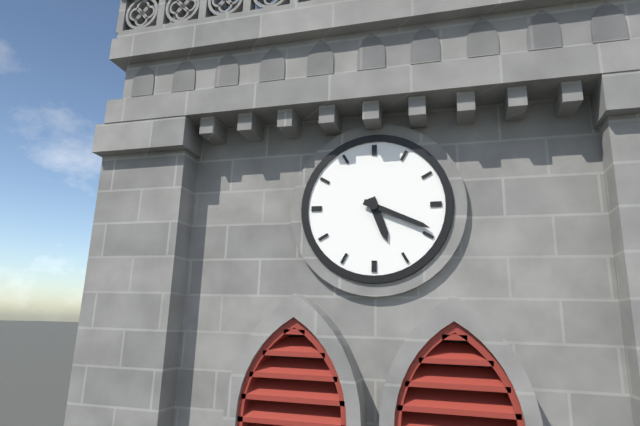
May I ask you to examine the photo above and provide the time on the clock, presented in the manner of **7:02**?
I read **5:19**
